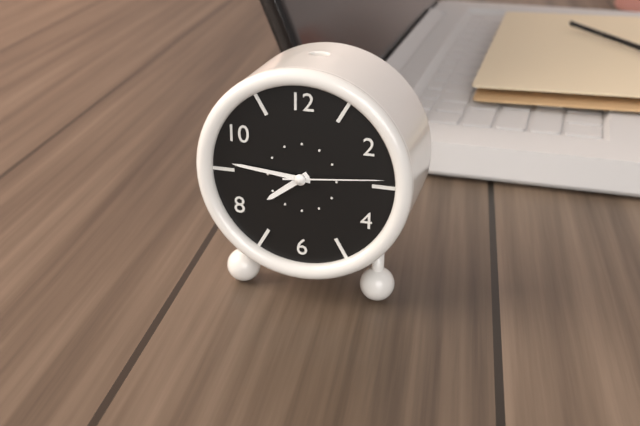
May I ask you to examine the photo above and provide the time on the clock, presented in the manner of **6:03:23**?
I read **7:46:14**
